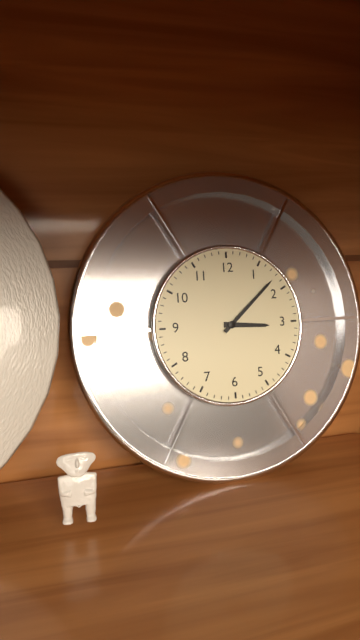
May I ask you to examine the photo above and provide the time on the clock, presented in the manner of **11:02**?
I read **3:08**
